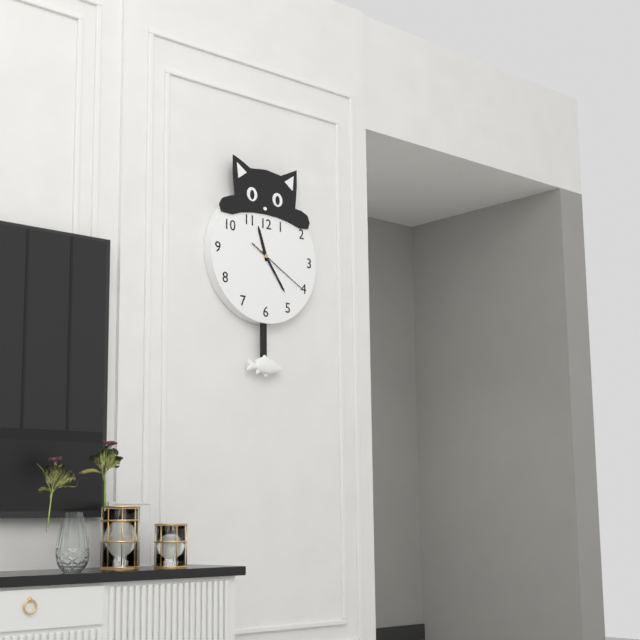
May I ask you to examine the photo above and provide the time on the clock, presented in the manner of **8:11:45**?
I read **11:24:20**
